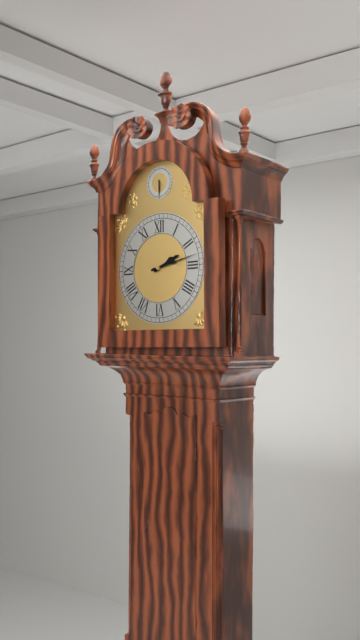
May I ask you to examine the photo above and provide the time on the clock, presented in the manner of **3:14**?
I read **2:13**
